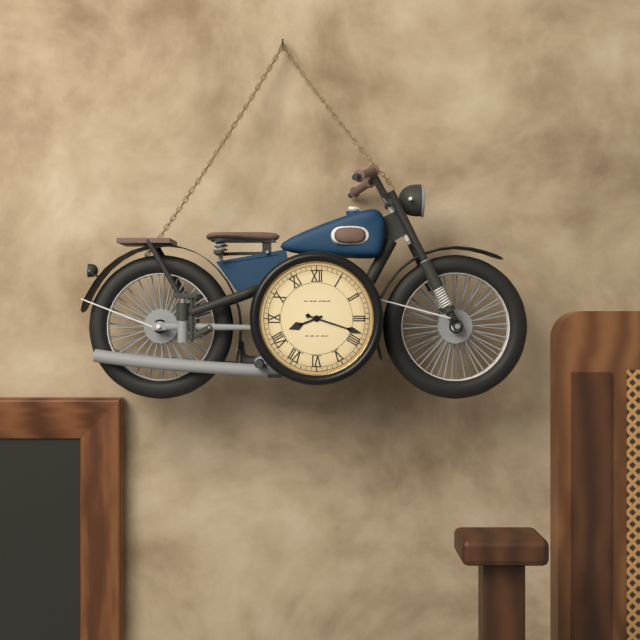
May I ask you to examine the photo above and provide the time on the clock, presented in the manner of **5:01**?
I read **8:18**
